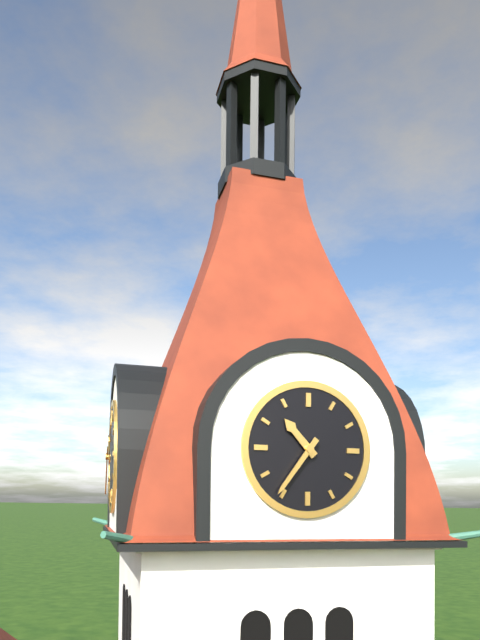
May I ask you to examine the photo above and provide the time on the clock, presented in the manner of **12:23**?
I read **10:36**
